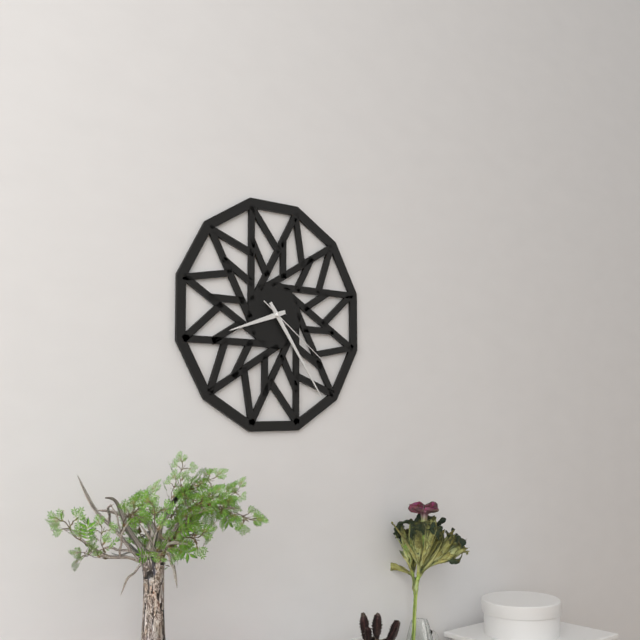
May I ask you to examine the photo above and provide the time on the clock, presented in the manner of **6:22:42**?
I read **8:24:21**
